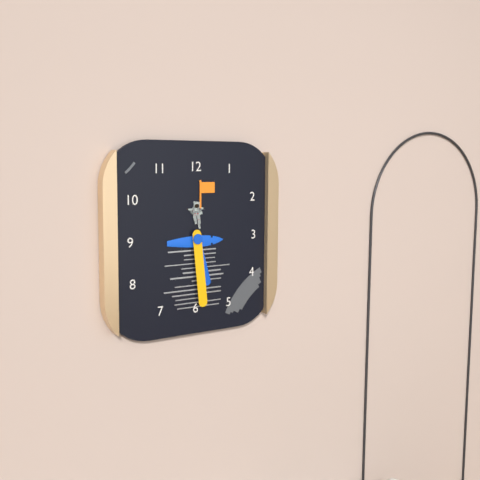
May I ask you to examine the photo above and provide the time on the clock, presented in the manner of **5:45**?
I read **5:29**
